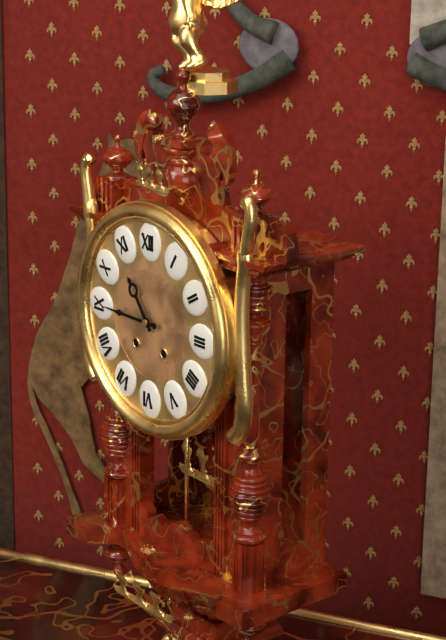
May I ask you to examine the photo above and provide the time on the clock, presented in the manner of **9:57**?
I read **10:45**
